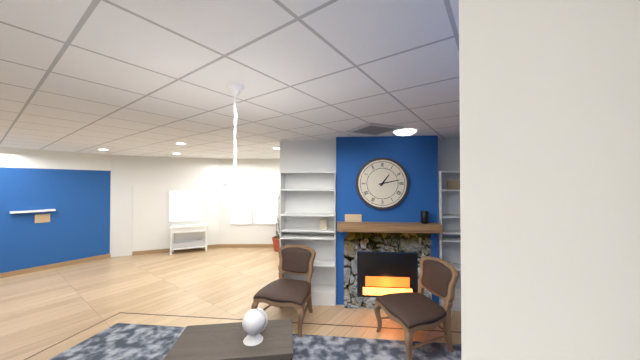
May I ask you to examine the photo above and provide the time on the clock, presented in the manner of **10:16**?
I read **1:13**
